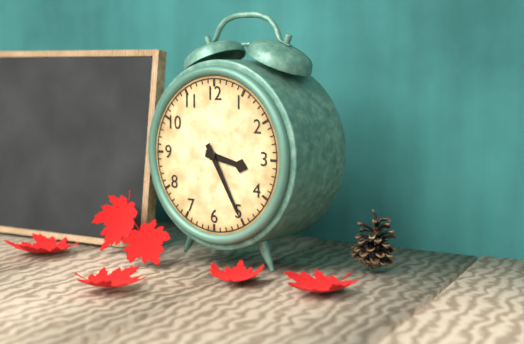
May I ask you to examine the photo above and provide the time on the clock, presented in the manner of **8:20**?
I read **3:25**
